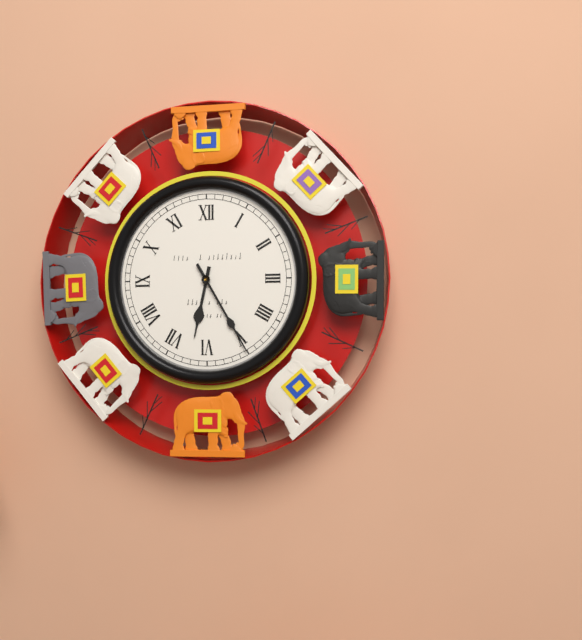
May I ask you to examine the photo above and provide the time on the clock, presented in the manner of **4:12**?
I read **6:25**
